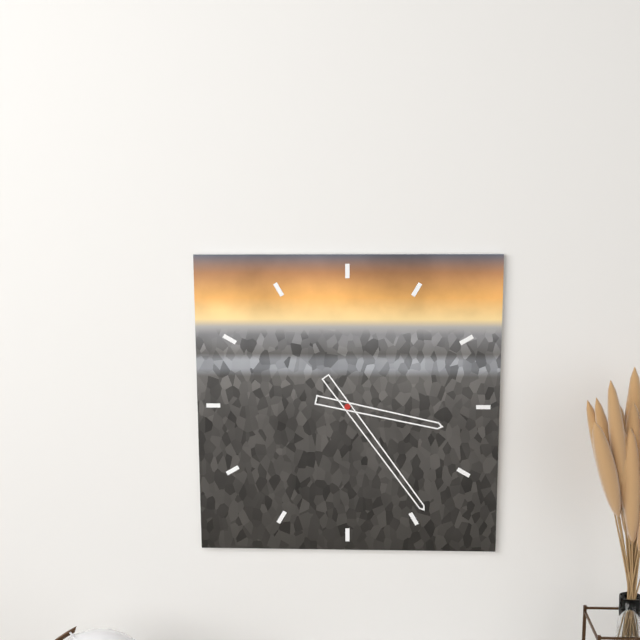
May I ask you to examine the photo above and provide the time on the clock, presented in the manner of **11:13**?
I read **3:24**
